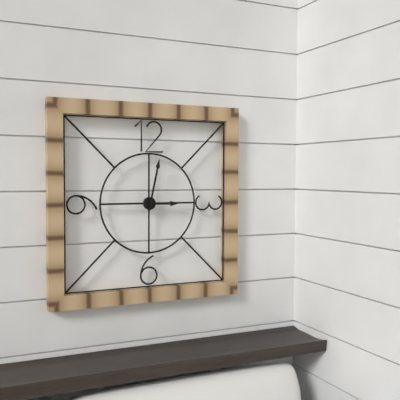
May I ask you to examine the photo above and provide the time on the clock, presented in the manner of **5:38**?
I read **3:02**
